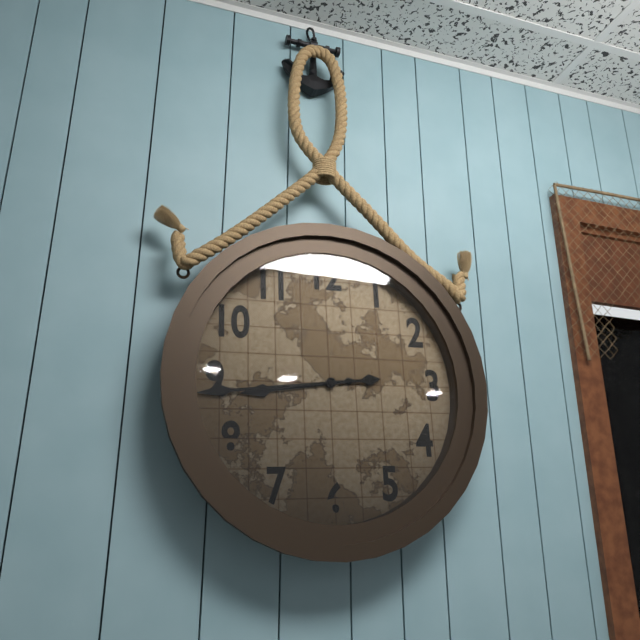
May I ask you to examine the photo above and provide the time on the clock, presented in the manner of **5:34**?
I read **8:44**
